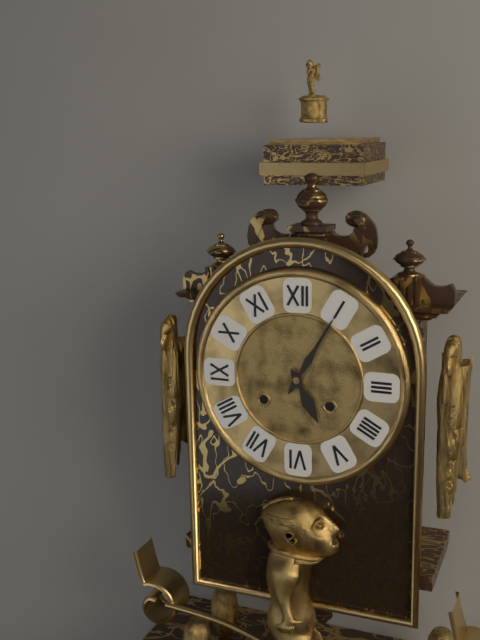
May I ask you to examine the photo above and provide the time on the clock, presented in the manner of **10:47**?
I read **5:05**
